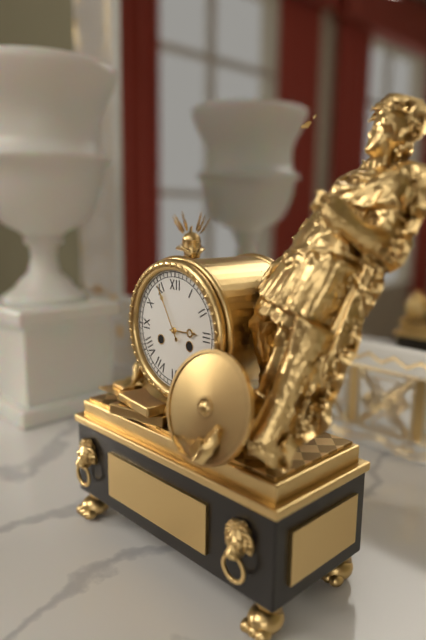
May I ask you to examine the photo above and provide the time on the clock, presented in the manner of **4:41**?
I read **2:55**
